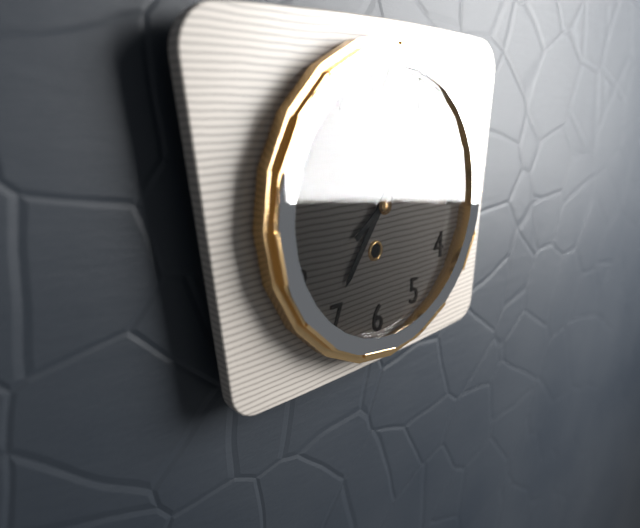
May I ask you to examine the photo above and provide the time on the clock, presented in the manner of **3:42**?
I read **7:09**
